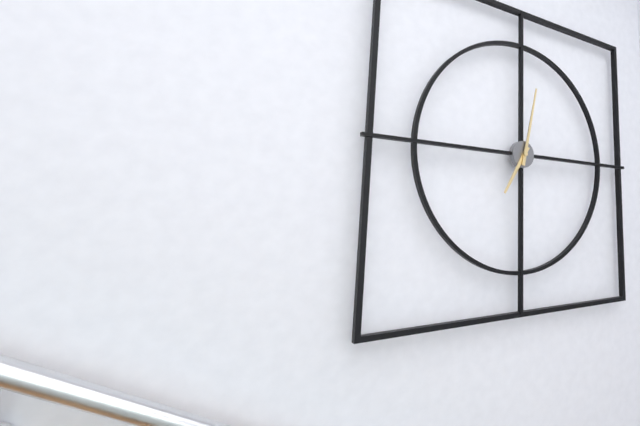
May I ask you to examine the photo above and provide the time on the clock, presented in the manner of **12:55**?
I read **7:02**
